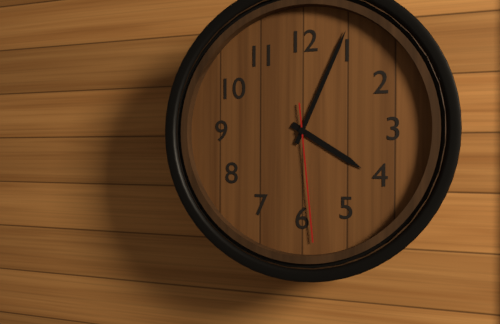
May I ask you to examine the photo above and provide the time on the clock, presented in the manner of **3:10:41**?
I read **4:04:29**
